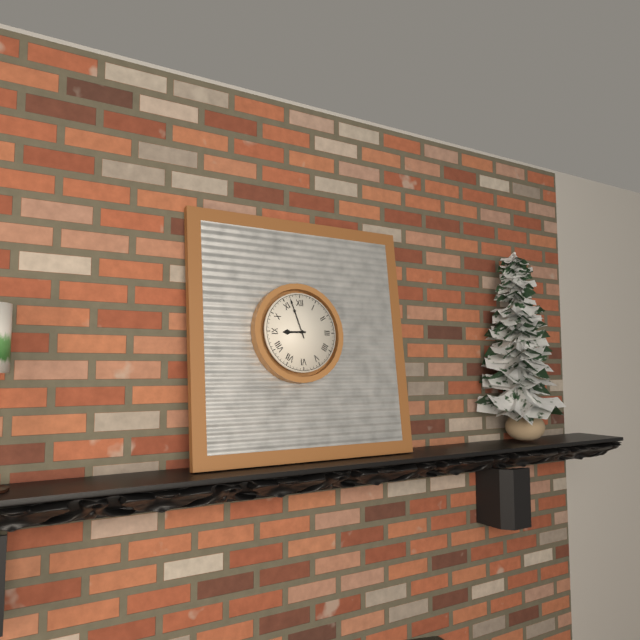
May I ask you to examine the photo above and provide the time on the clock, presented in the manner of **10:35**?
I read **8:57**
